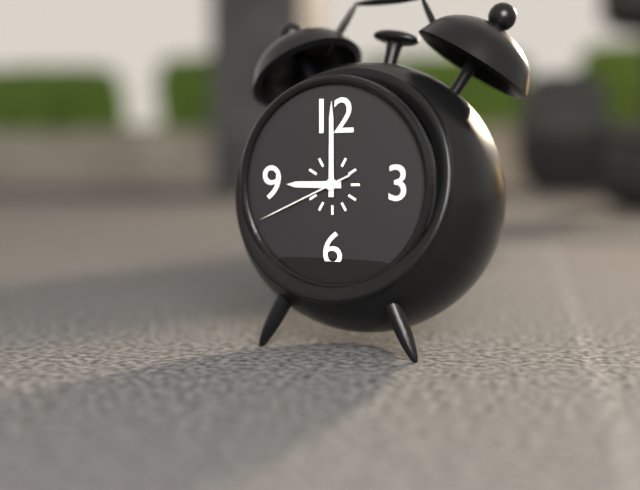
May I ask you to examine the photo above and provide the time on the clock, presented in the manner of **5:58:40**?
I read **9:00:41**
